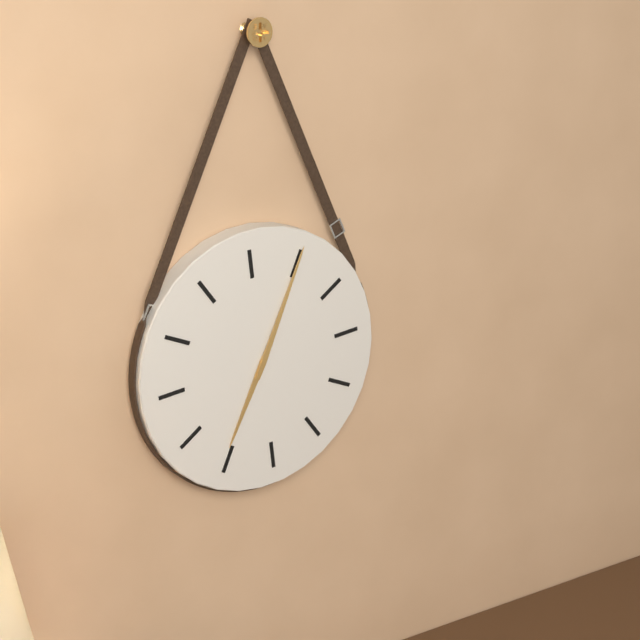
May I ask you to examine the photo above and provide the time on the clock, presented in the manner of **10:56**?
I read **7:05**
